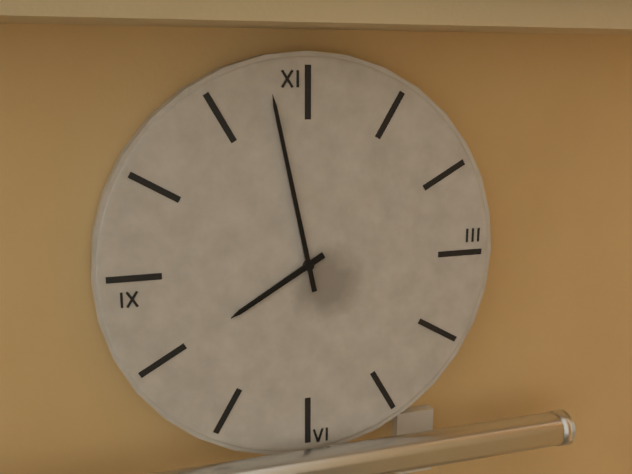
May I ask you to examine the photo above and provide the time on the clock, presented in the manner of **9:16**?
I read **7:58**
